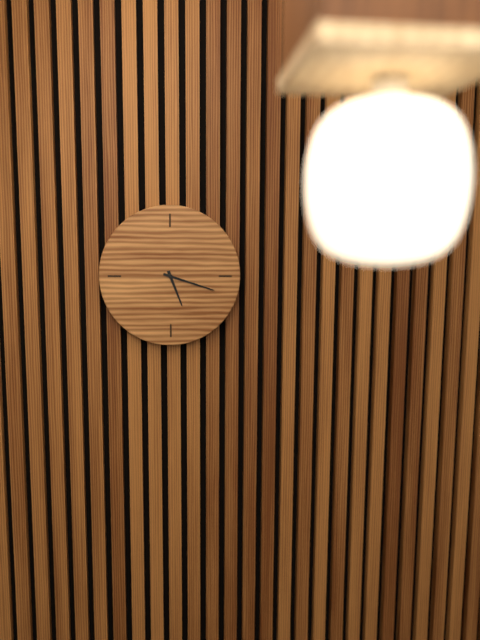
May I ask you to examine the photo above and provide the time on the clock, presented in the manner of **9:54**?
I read **5:18**
